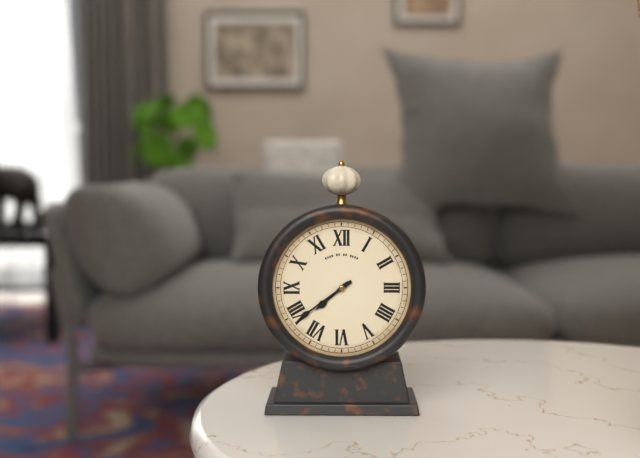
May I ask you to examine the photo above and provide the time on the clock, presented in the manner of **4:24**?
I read **7:39**
